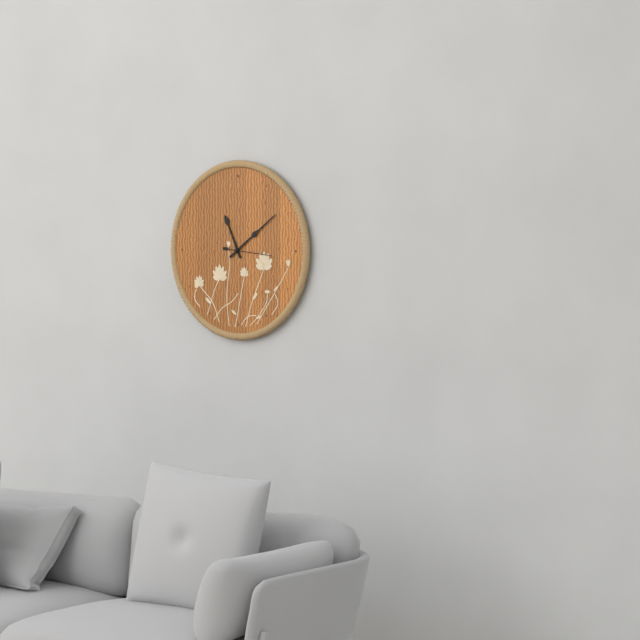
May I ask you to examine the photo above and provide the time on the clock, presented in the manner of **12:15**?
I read **11:09**
